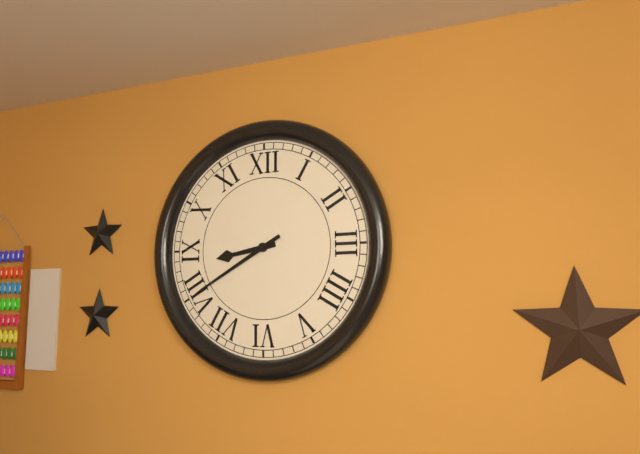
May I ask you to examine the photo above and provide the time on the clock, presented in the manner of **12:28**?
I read **8:40**
